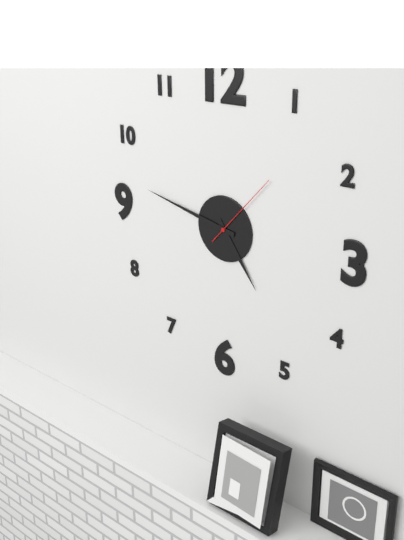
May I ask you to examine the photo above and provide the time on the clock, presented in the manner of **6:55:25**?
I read **4:47:07**
